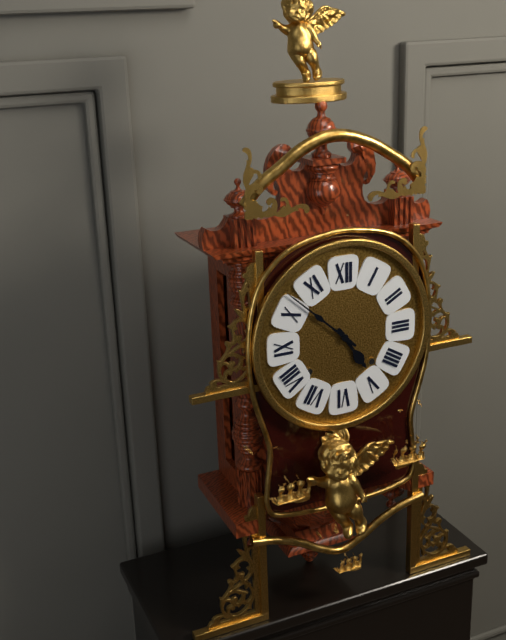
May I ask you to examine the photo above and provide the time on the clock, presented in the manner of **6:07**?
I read **4:52**
